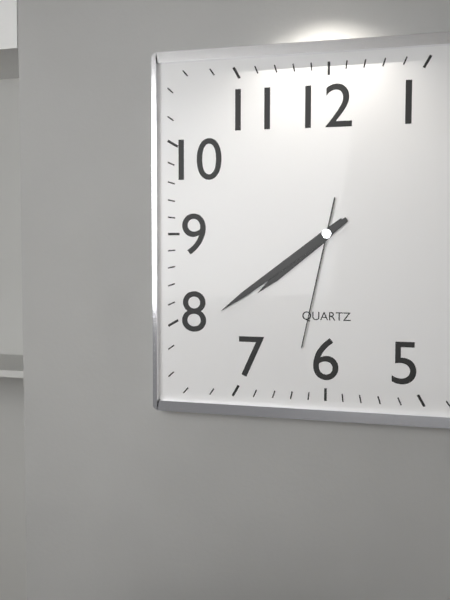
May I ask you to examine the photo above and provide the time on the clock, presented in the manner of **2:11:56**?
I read **7:39:32**
